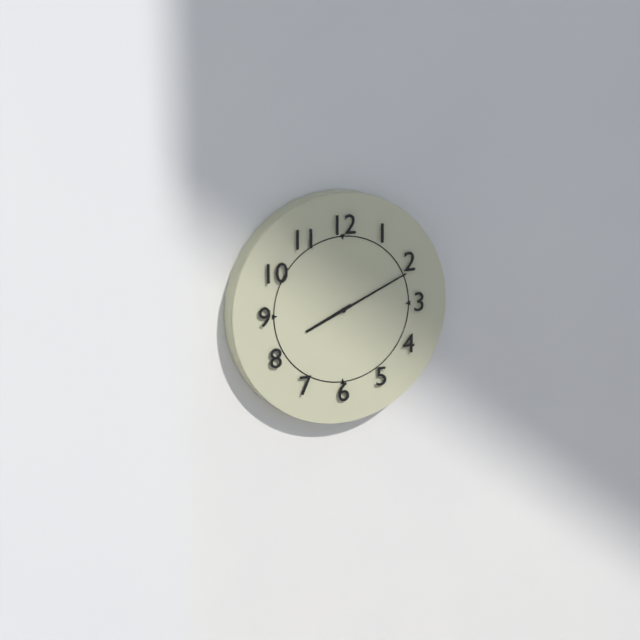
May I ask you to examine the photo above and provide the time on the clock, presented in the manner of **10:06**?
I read **8:11**
